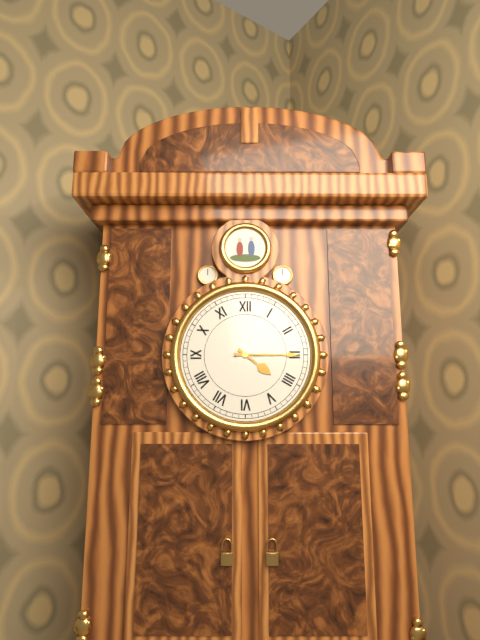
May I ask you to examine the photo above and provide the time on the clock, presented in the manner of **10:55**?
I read **4:15**
